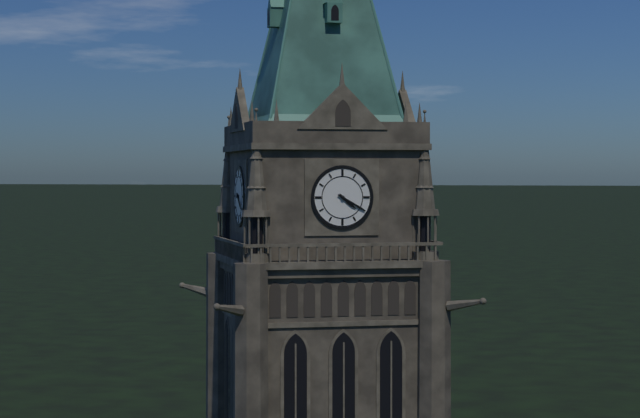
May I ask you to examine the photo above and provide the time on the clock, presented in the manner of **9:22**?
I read **4:20**
